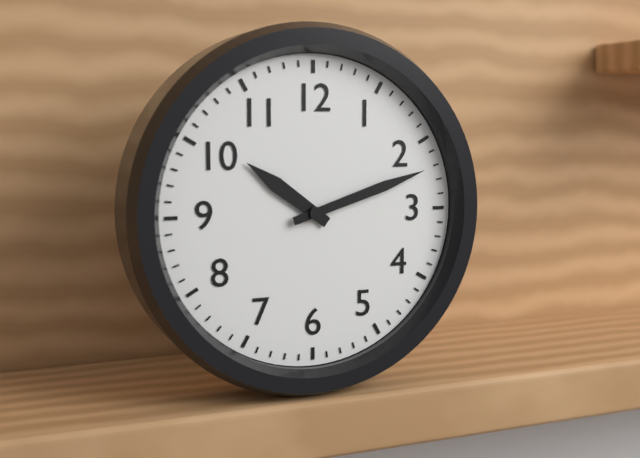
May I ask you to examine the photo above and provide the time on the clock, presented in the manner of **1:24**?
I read **10:12**
